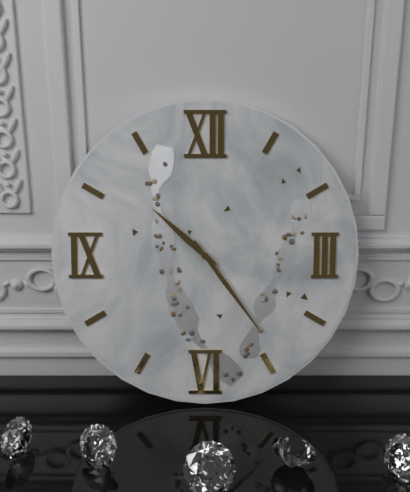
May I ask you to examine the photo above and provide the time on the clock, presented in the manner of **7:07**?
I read **10:24**
